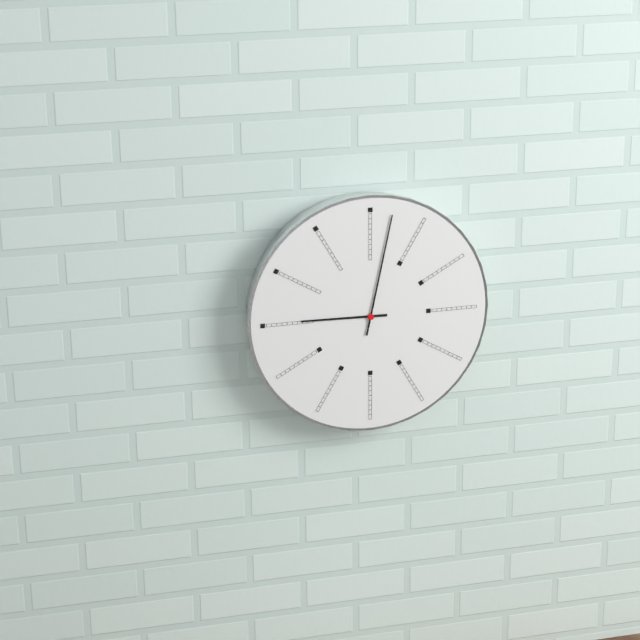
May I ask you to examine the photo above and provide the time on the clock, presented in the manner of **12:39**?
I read **9:02**
